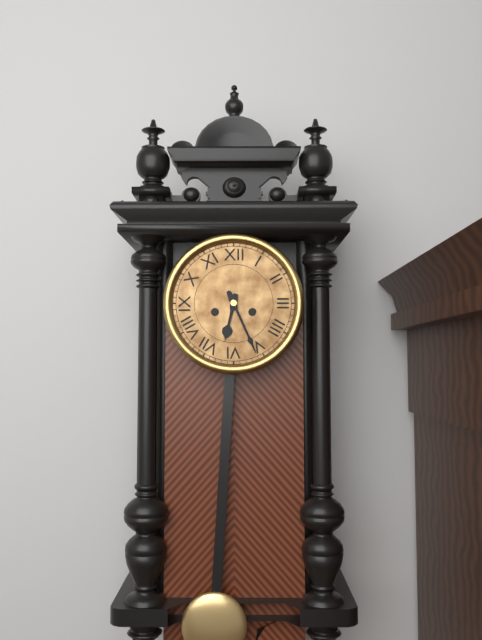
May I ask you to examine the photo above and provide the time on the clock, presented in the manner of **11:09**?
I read **6:26**
